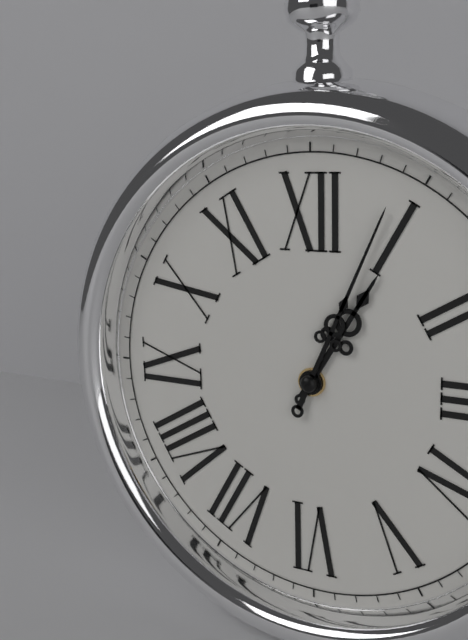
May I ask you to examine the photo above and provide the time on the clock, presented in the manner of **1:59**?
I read **1:04**
